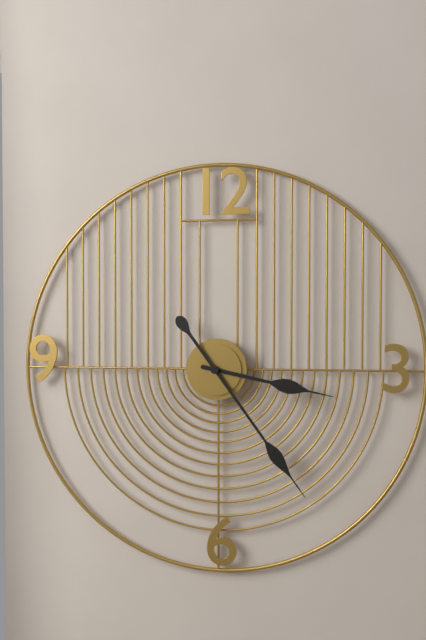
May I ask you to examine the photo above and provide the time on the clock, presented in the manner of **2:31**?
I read **3:24**
